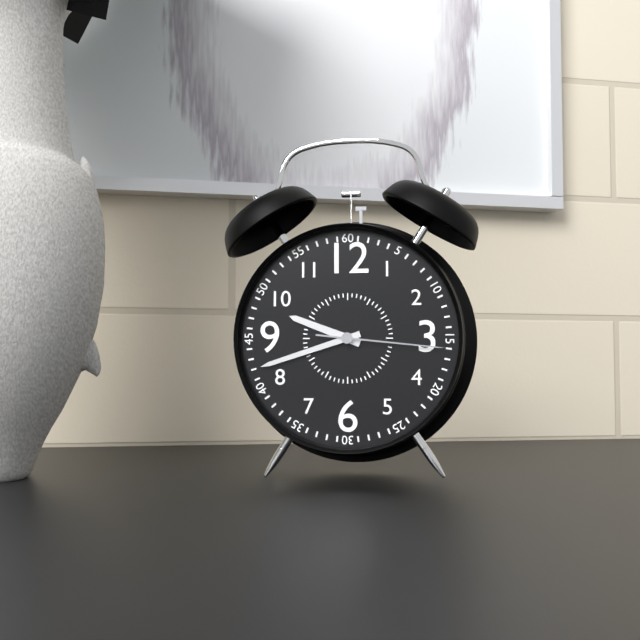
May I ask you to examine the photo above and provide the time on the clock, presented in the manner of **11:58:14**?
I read **9:42:16**
